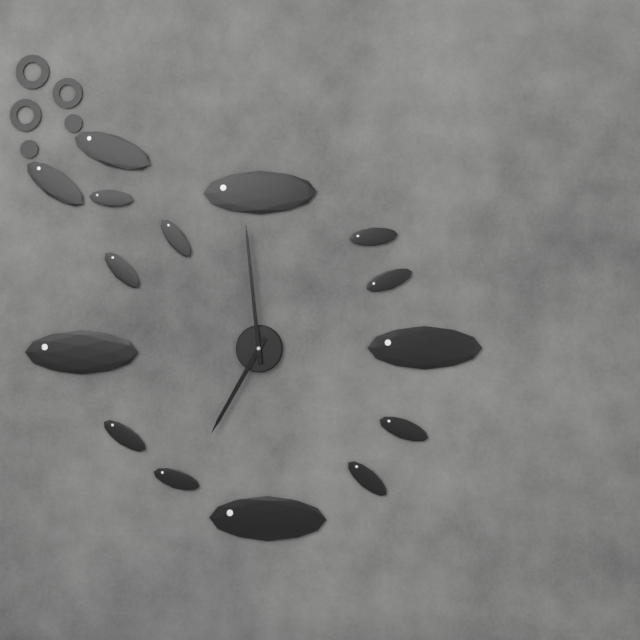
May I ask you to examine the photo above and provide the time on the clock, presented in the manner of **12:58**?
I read **6:59**
